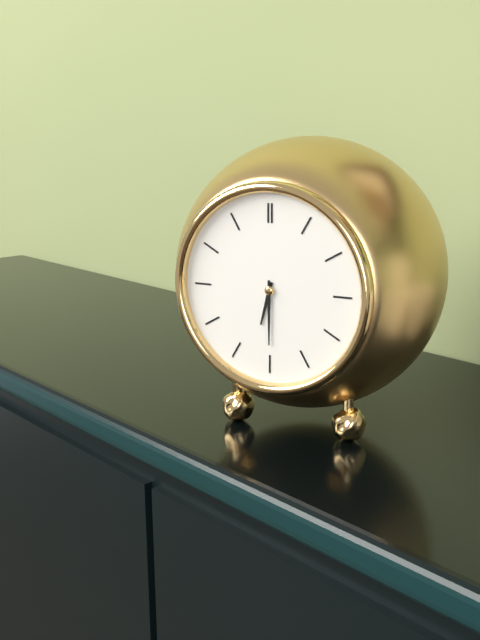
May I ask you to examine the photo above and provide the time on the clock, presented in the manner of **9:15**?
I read **6:30**
